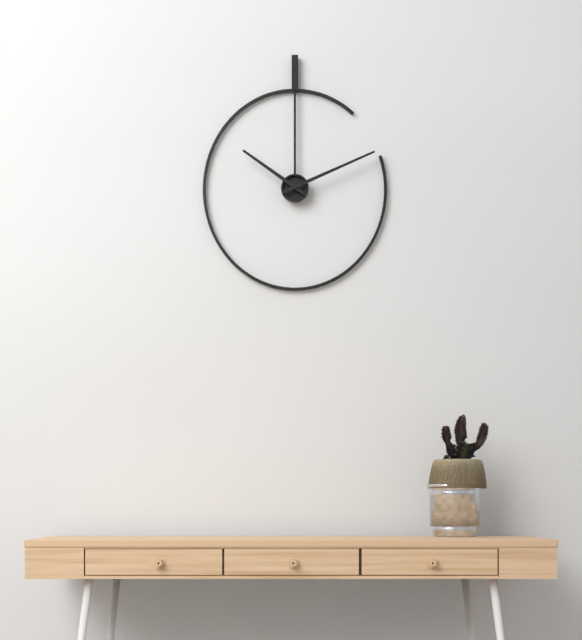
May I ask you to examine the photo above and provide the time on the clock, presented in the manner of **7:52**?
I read **10:11**
